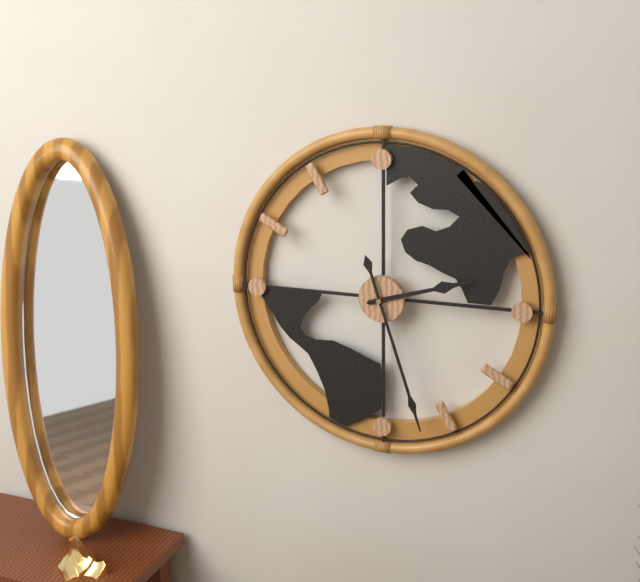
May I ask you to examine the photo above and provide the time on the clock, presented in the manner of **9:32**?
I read **2:27**
